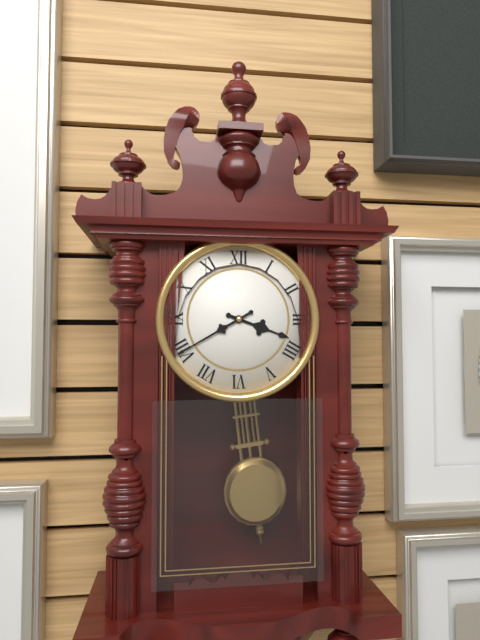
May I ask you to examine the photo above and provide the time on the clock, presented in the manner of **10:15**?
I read **3:40**
